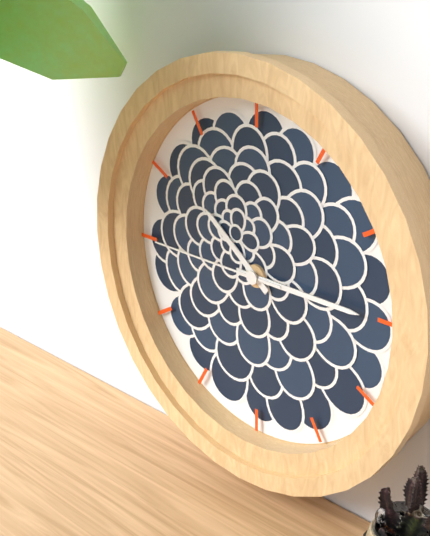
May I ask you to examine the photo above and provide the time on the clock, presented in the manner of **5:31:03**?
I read **10:15:45**
